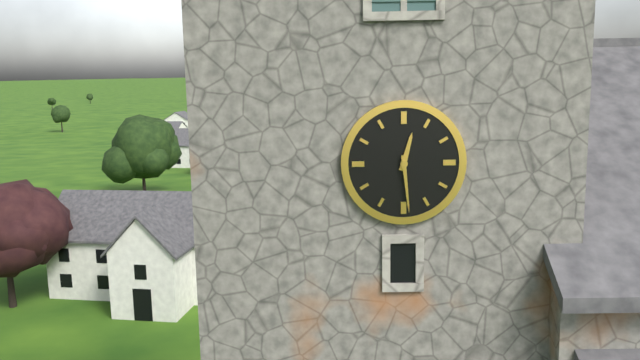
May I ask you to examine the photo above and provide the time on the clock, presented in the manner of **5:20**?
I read **12:29**
